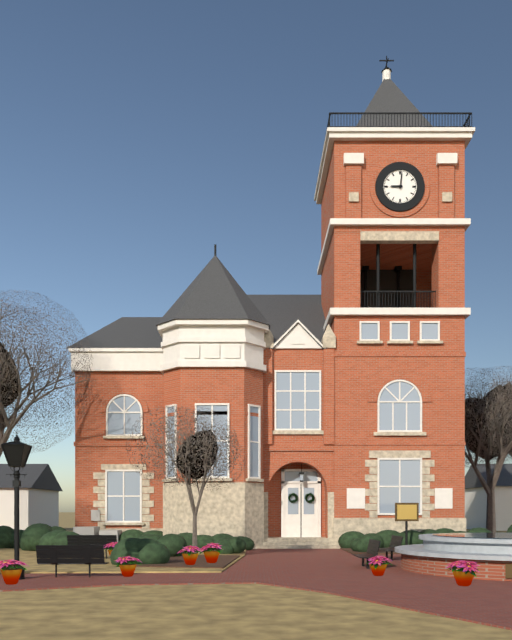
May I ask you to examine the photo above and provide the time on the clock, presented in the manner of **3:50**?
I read **9:01**
